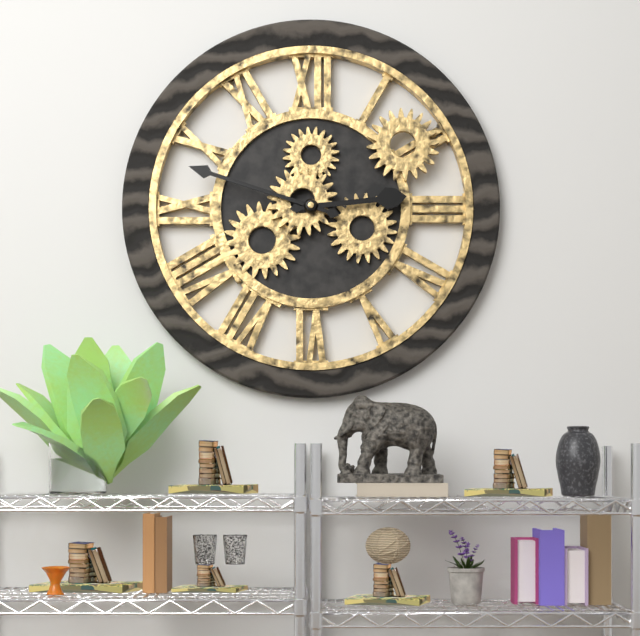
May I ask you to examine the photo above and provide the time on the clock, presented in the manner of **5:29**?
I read **2:48**
